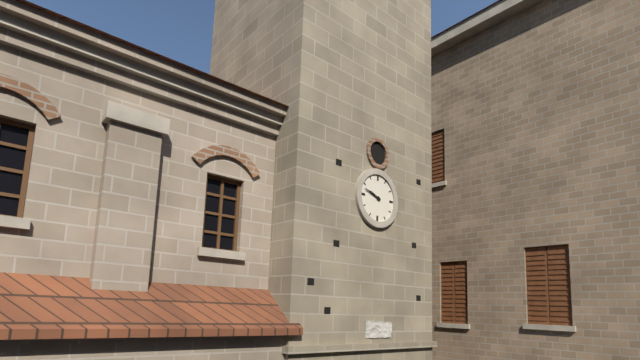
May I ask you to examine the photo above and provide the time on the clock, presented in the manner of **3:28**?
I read **9:48**
